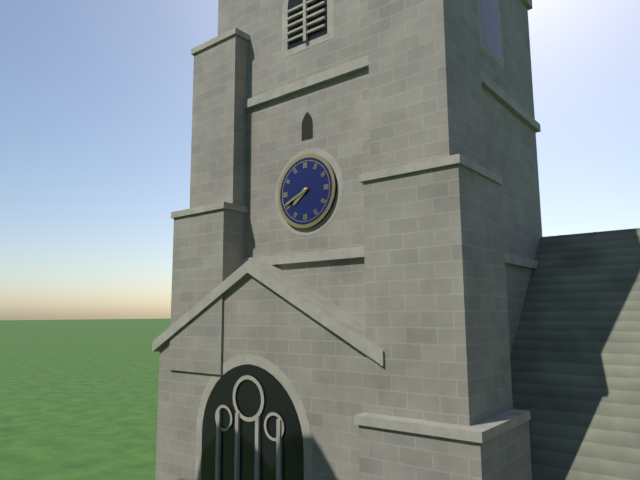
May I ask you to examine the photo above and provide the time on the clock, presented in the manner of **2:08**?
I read **7:41**
